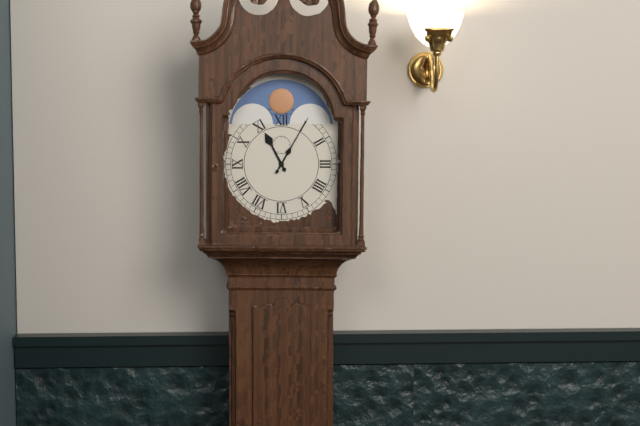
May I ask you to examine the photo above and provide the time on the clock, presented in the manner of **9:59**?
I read **11:05**
